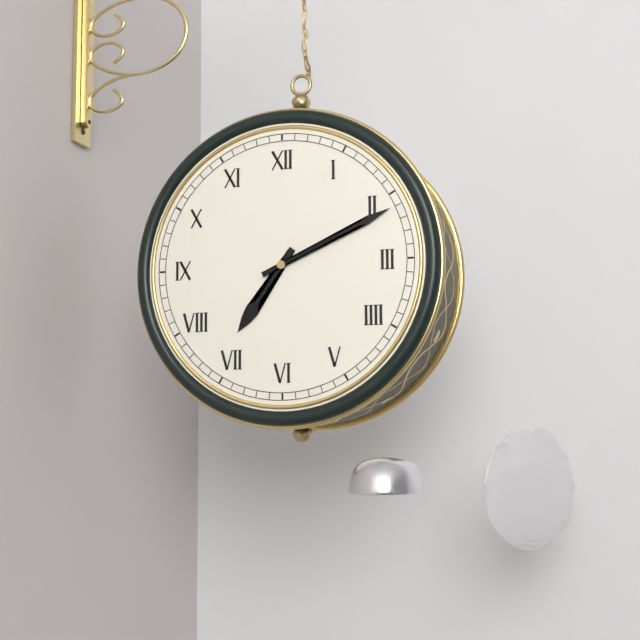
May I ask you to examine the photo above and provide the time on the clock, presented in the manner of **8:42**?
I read **7:11**
